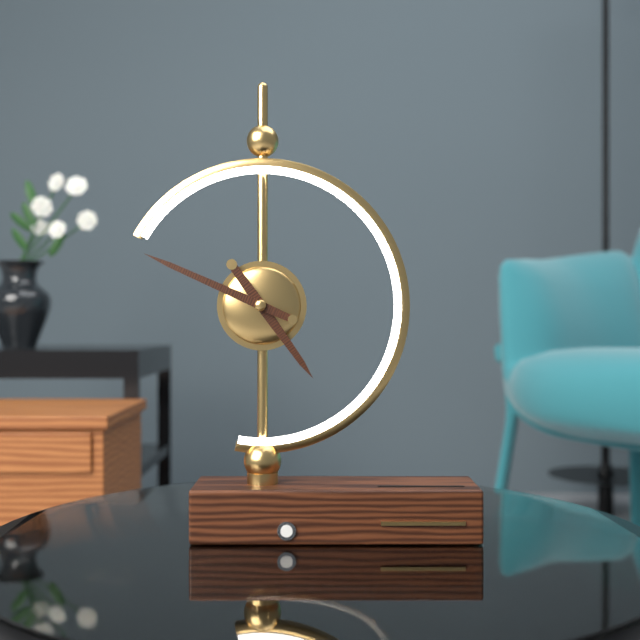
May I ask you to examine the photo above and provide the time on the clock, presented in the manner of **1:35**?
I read **4:49**
